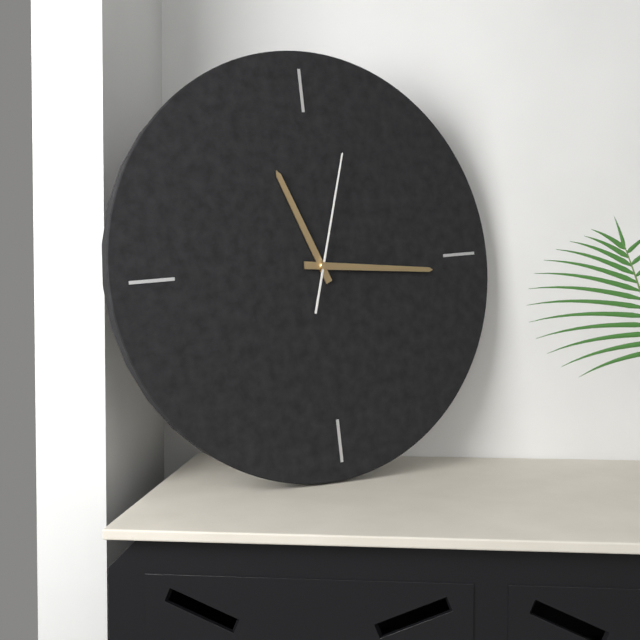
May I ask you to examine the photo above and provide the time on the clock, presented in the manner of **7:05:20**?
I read **11:16:03**
